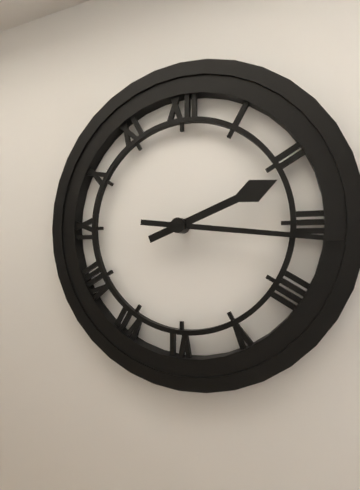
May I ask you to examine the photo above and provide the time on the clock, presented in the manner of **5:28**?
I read **2:16**
